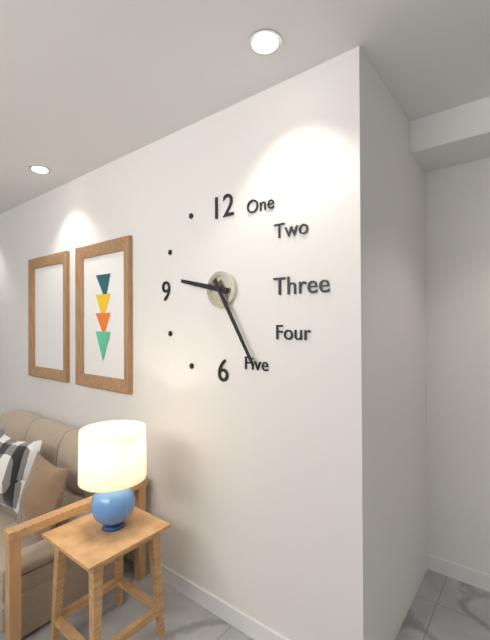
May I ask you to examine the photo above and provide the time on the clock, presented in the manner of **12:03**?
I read **9:25**
